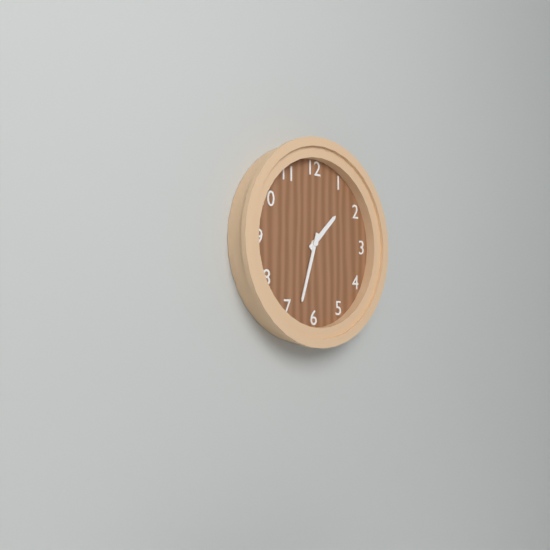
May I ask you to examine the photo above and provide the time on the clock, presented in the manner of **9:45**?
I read **1:33**
